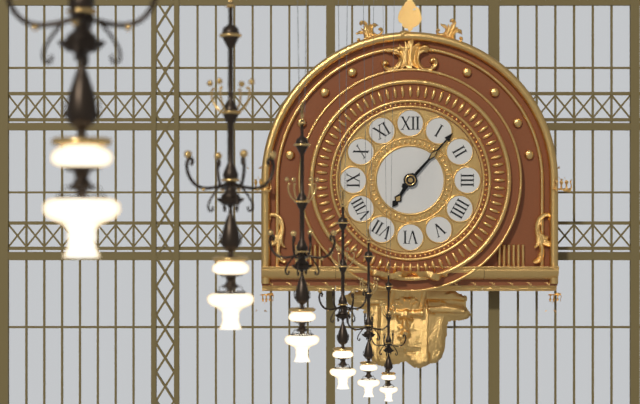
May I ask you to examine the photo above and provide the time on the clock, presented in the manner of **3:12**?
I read **7:07**
